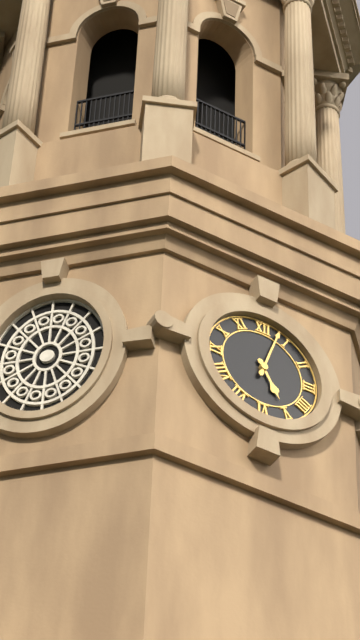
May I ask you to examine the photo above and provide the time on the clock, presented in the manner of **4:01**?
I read **5:03**
